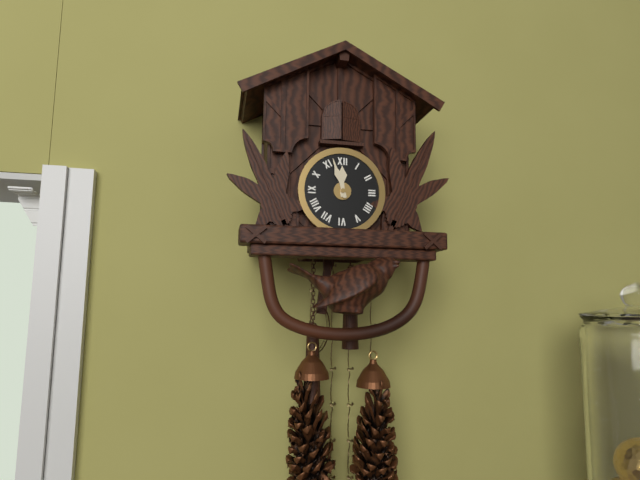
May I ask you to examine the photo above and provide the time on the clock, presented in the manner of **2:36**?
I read **11:57**
